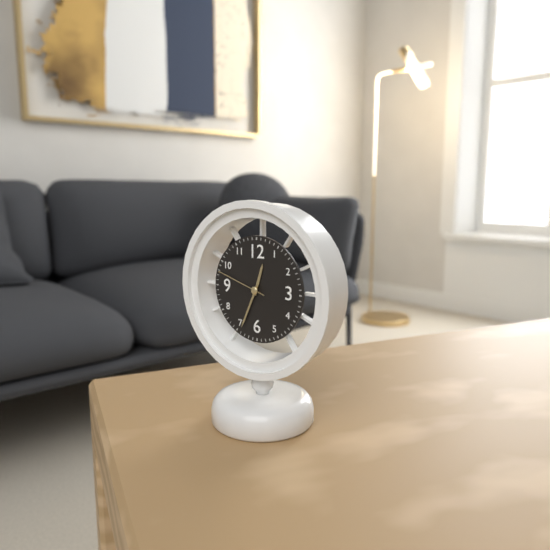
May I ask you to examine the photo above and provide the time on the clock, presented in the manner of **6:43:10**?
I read **12:34:48**
